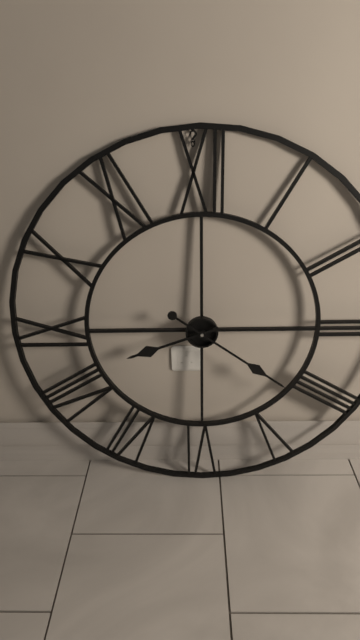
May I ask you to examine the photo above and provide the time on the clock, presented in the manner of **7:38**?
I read **8:21**
